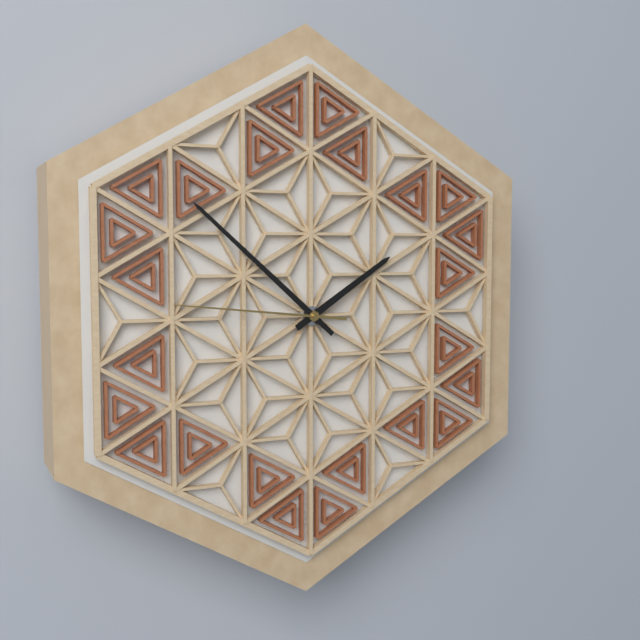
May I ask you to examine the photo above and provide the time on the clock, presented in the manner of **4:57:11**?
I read **1:52:46**
